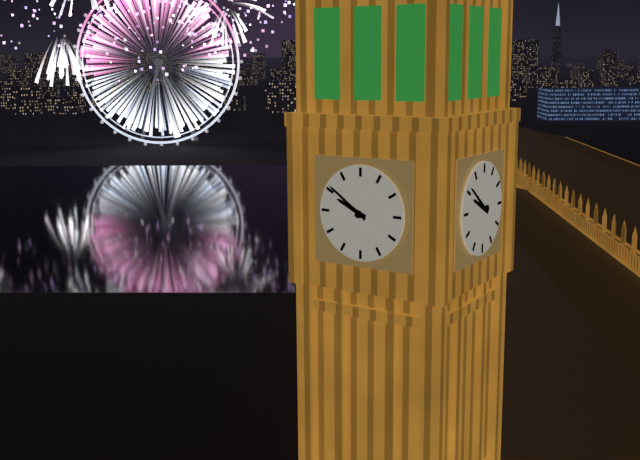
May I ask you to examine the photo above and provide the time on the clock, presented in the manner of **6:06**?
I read **9:51**
